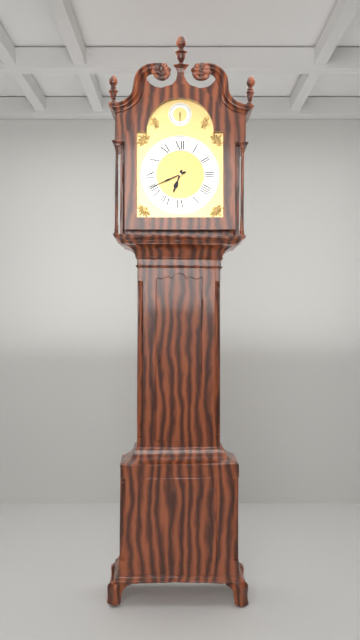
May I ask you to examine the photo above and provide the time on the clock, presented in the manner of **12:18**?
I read **6:41**
